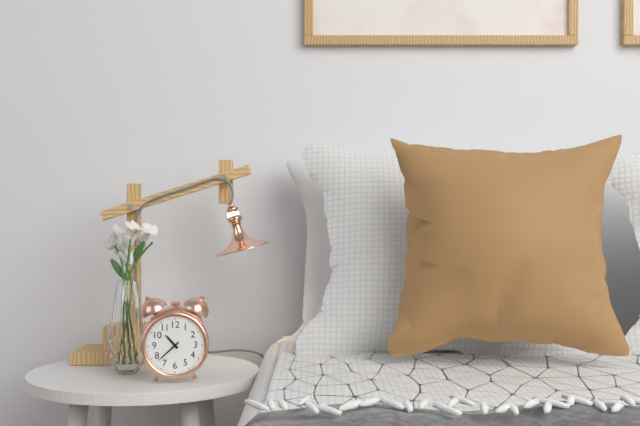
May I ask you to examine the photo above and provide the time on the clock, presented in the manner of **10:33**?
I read **10:38**
